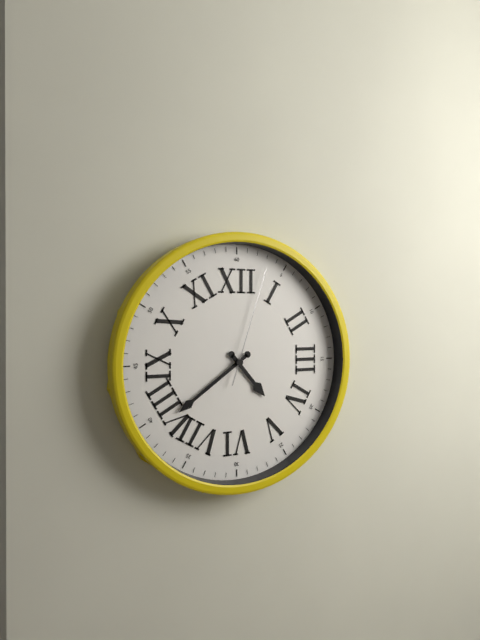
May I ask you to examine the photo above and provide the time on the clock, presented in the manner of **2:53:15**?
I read **4:39:03**
